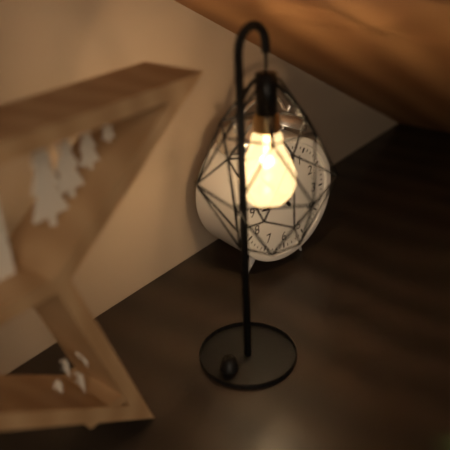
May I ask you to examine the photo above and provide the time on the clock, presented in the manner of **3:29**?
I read **8:53**
